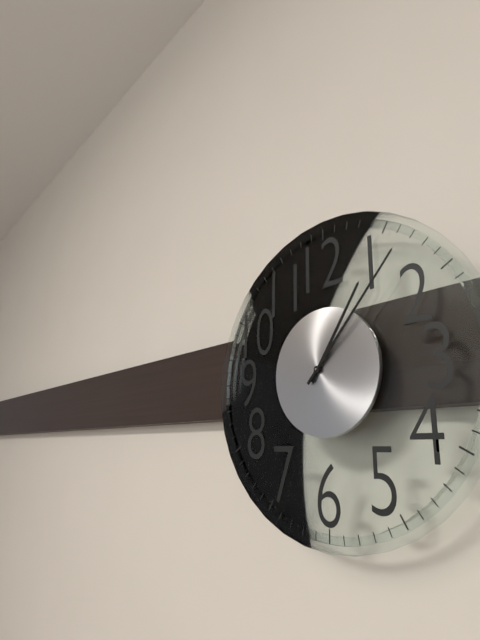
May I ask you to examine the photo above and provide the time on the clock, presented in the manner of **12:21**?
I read **1:07**
